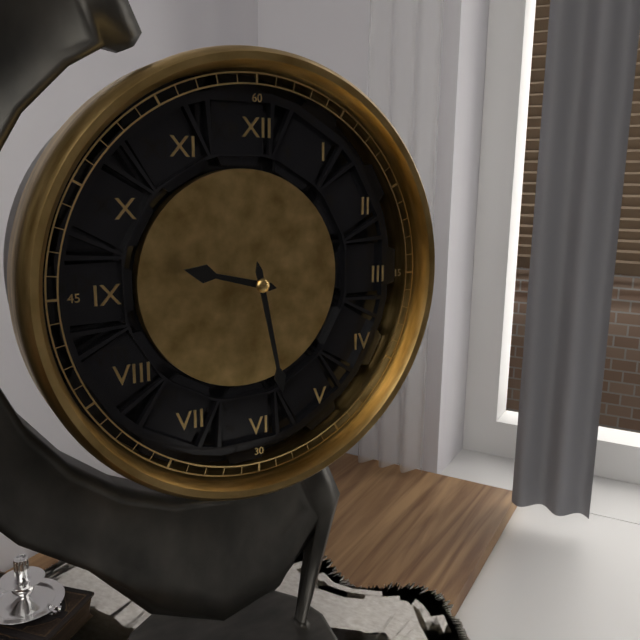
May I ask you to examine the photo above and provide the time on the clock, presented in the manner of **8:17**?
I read **9:28**
